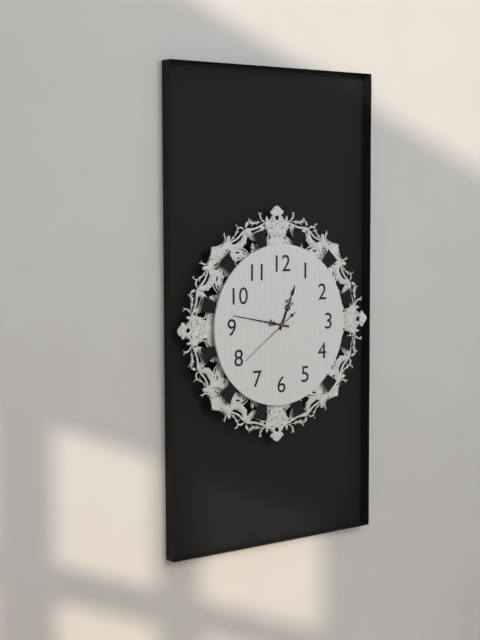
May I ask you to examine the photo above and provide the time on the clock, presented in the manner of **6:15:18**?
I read **12:47:39**
